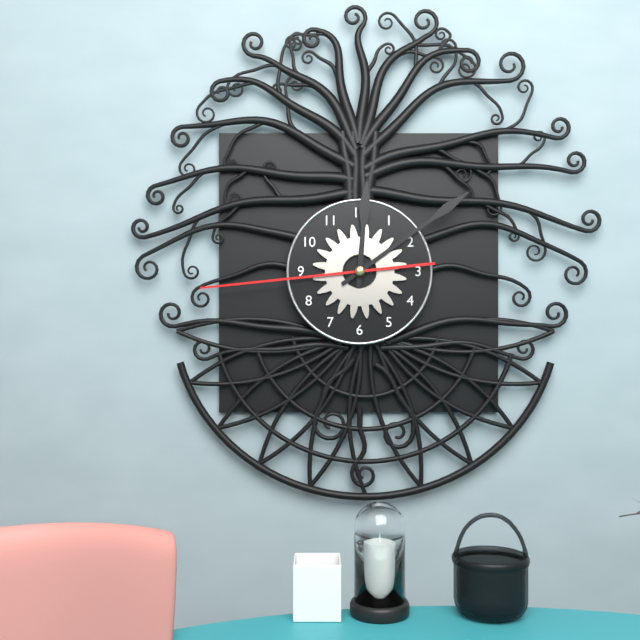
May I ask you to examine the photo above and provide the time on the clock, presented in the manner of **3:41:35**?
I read **12:09:44**
